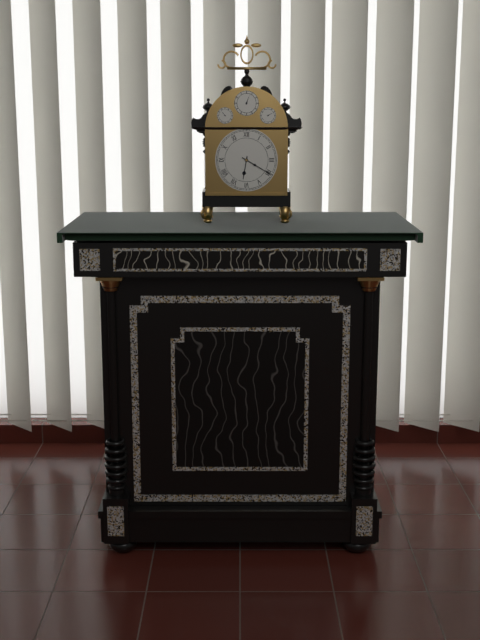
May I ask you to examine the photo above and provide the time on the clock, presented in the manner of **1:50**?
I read **6:20**
